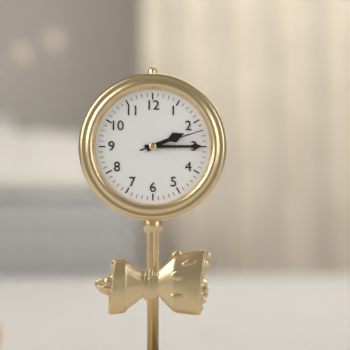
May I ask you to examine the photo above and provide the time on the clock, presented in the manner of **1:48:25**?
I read **2:15:12**
